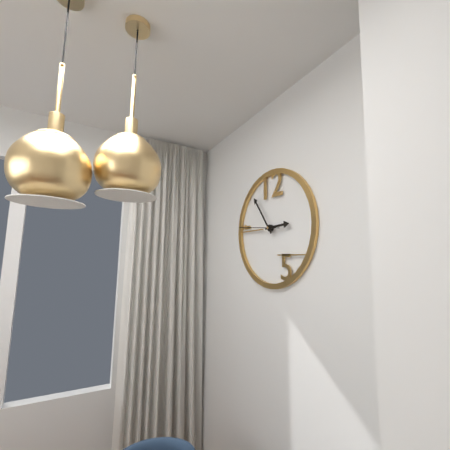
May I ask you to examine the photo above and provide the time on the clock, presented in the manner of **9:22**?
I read **2:54**
